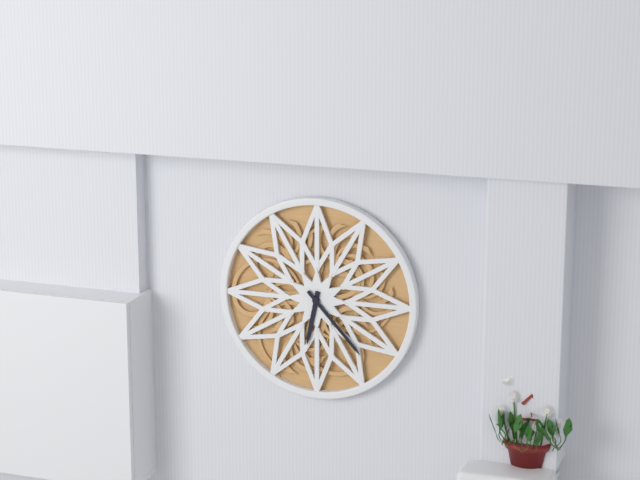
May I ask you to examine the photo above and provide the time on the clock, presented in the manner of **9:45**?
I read **6:23**
